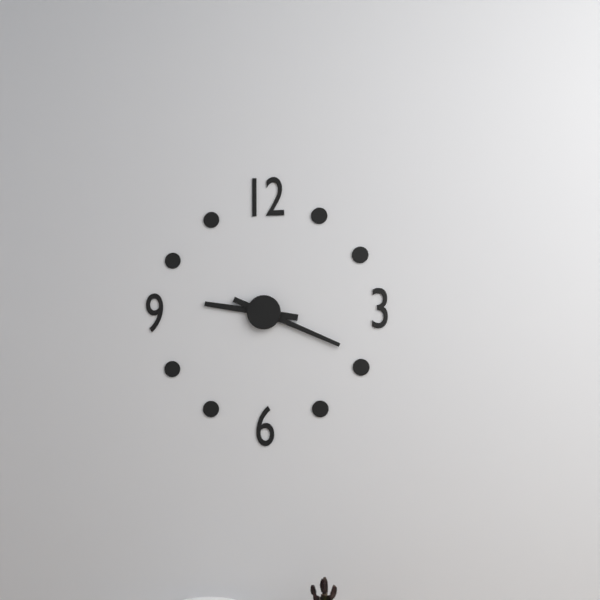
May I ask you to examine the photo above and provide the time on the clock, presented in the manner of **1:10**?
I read **9:19**
